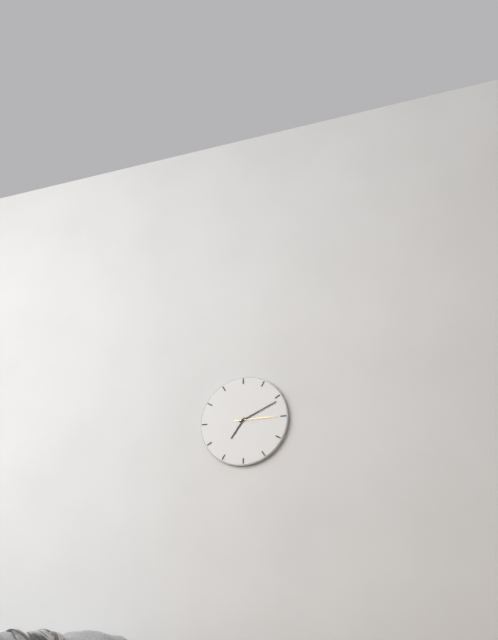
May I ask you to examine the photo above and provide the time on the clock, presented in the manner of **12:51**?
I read **7:11**
